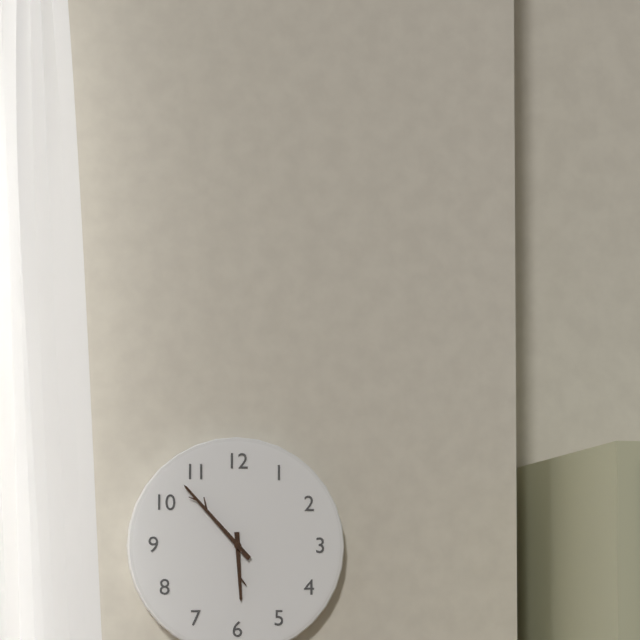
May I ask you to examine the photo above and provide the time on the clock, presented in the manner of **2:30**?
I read **5:53**
